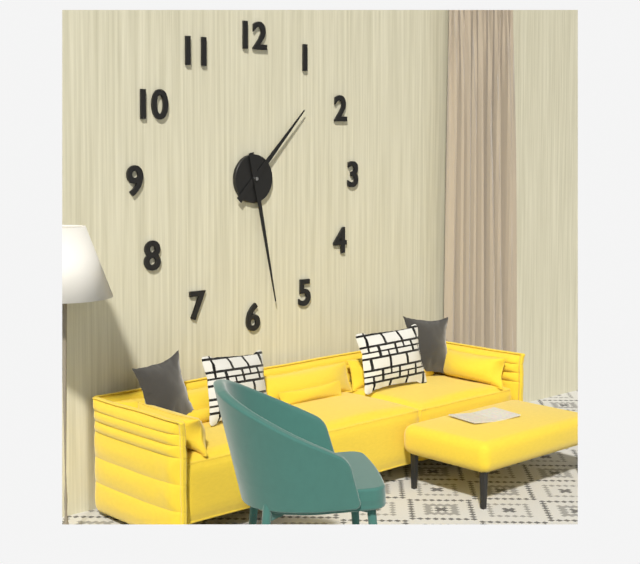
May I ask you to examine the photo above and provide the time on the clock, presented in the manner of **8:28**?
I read **1:28**
